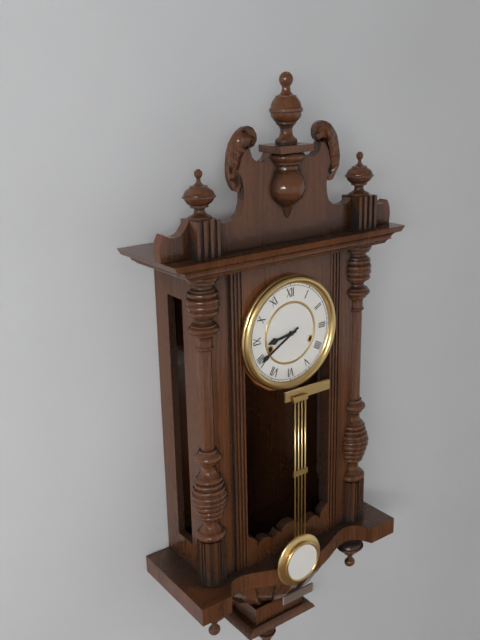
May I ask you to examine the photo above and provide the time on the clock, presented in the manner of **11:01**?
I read **8:40**
